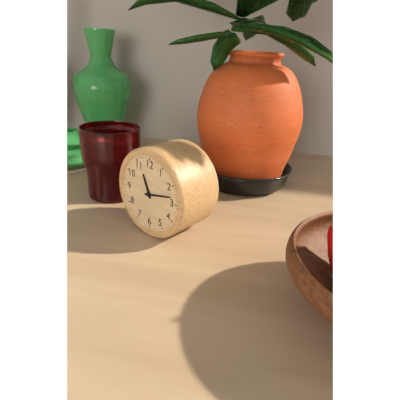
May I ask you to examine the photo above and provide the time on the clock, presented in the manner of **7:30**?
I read **11:13**
